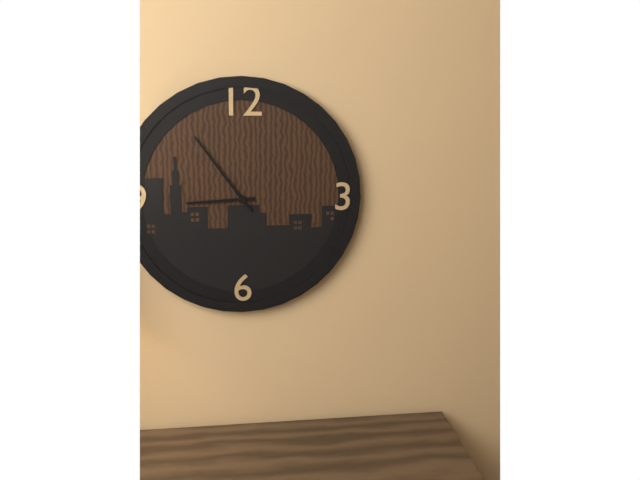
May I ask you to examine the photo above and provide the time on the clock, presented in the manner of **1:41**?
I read **8:54**
